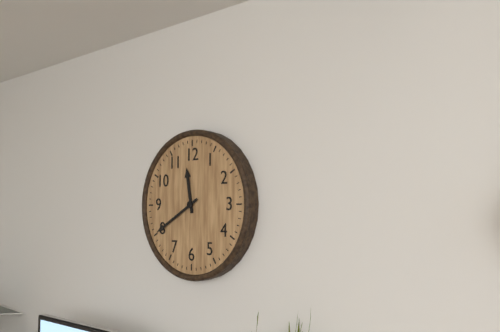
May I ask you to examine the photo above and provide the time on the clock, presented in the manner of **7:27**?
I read **11:40**
